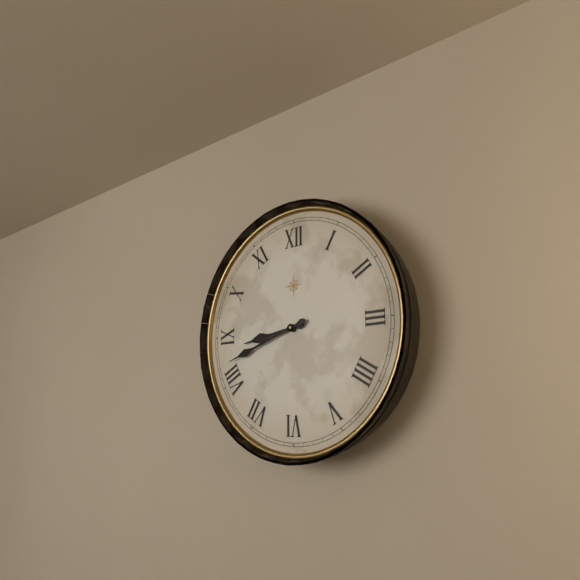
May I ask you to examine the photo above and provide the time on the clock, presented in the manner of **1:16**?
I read **8:42**
